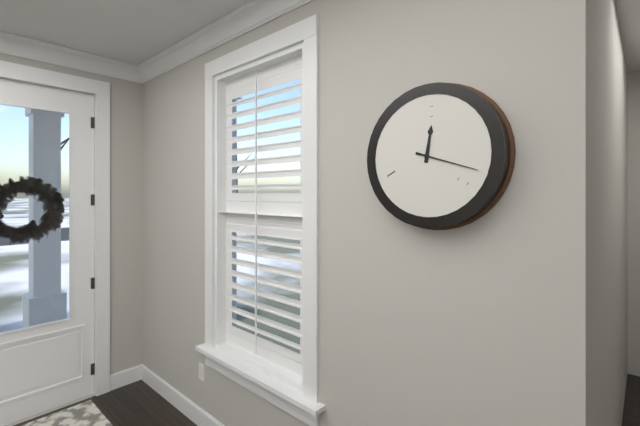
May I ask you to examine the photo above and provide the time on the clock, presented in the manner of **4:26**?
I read **12:18**
